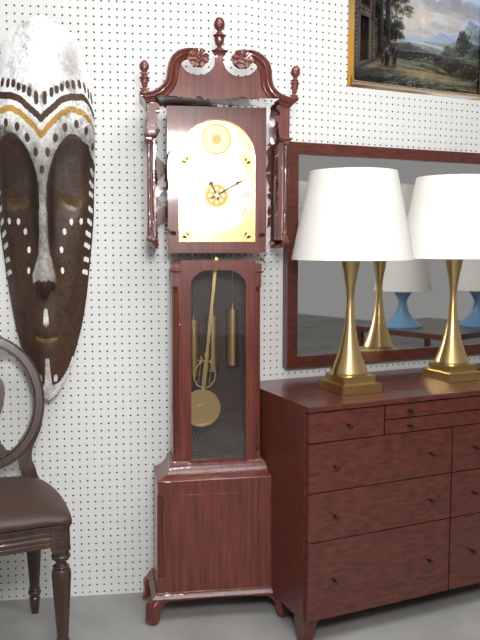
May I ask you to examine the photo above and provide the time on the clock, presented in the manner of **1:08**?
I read **11:10**
